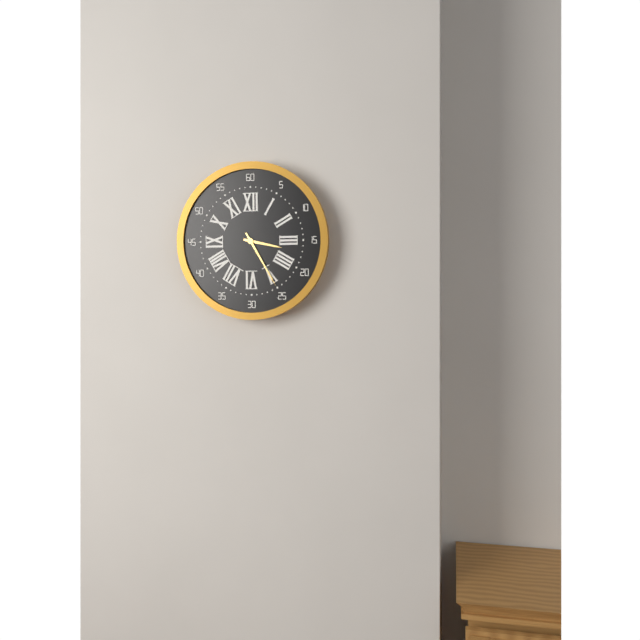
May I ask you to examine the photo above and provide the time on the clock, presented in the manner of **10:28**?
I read **3:25**
